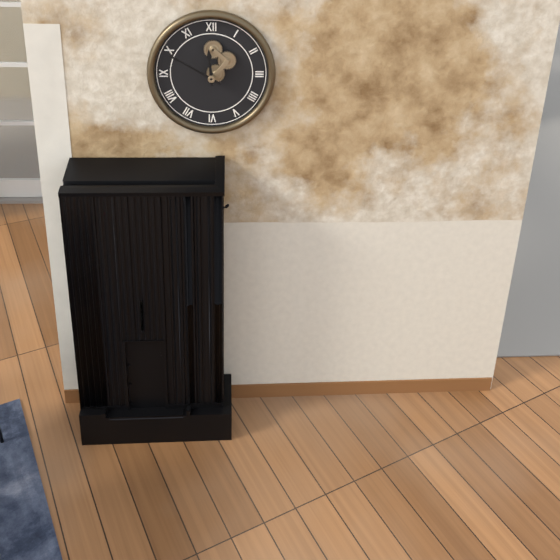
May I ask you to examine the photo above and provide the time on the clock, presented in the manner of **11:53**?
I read **11:50**
